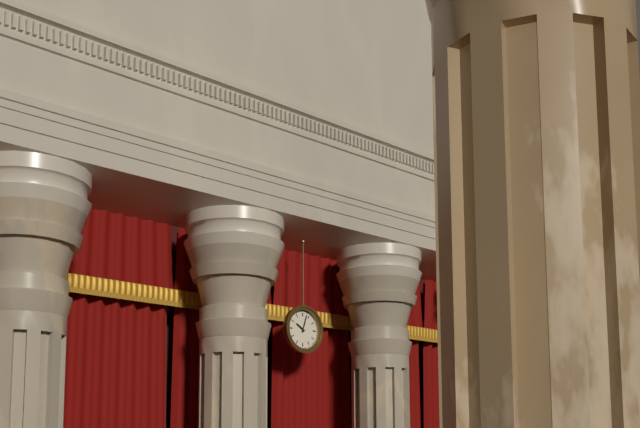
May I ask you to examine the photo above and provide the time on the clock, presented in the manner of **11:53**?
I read **10:03**
